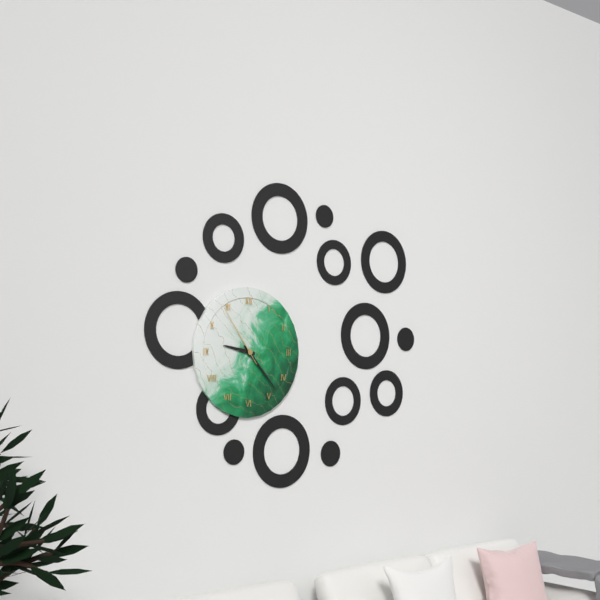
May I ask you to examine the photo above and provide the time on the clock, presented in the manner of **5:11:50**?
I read **9:23:54**
